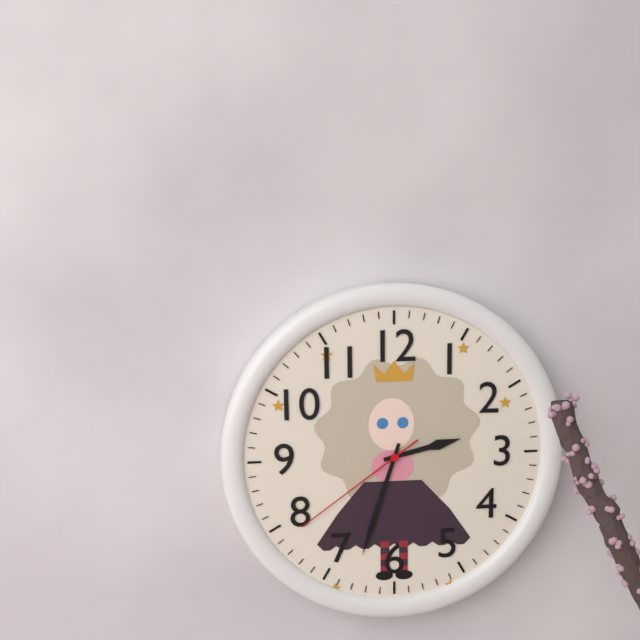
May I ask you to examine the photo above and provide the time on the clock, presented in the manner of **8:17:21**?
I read **2:33:39**
